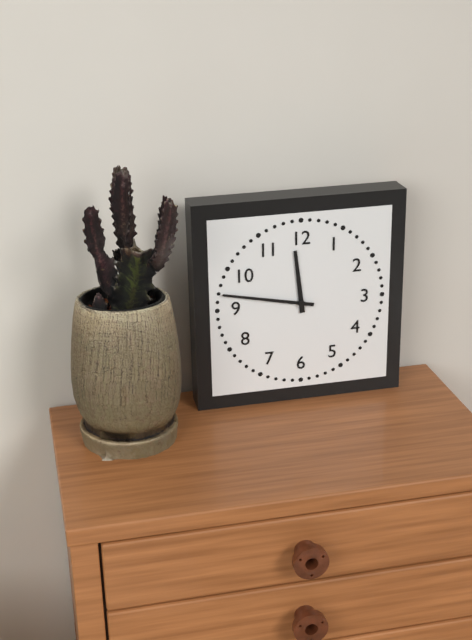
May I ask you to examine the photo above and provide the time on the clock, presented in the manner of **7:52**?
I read **11:47**
